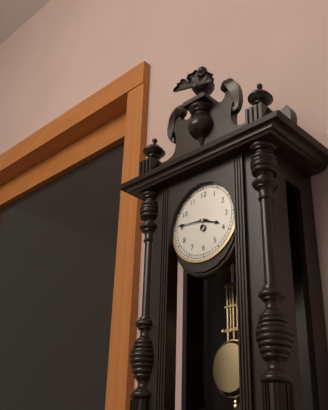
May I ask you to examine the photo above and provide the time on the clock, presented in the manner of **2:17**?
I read **3:46**
